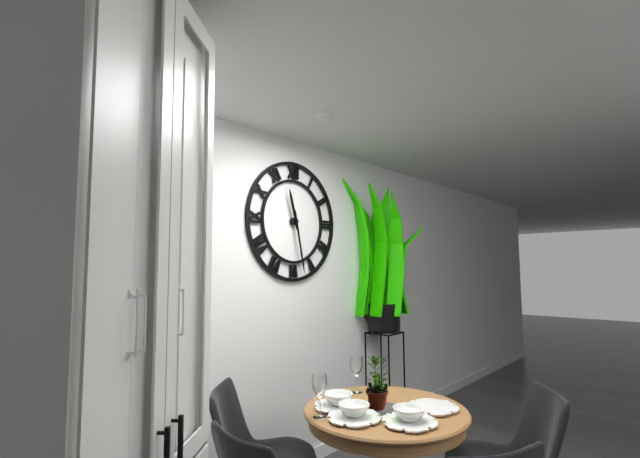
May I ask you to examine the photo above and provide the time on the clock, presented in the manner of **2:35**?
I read **11:28**
